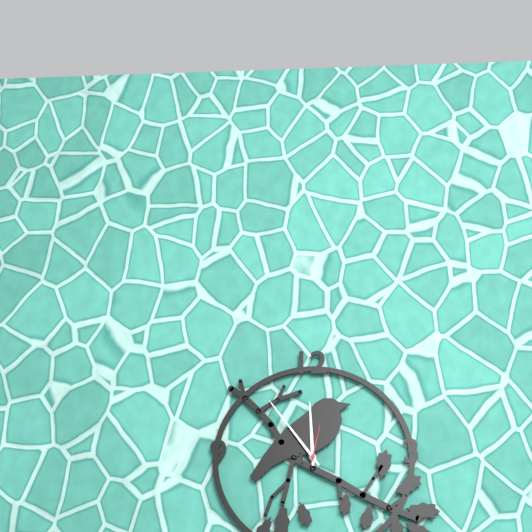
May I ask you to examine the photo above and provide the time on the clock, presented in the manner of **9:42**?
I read **11:54**
